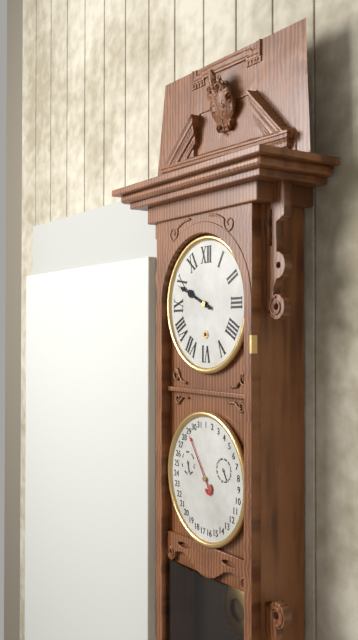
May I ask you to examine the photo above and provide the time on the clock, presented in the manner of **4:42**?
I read **9:49**
